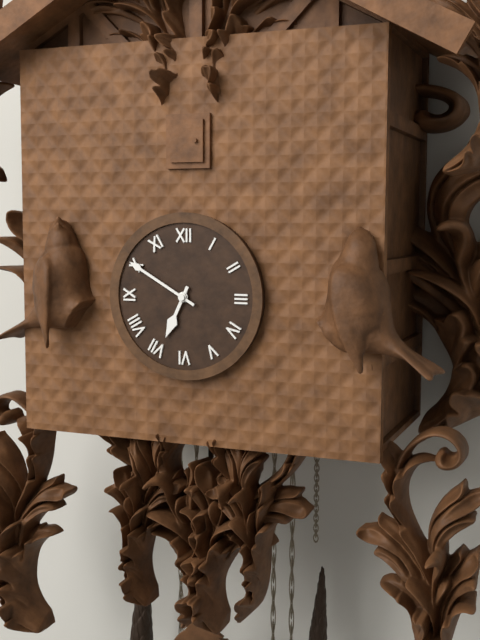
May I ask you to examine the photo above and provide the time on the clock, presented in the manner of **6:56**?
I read **6:50**
